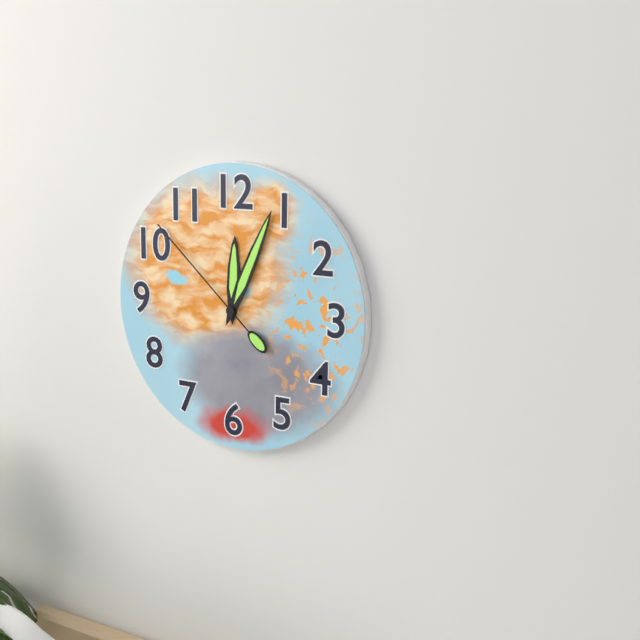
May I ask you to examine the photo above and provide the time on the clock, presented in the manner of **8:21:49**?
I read **12:04:52**
